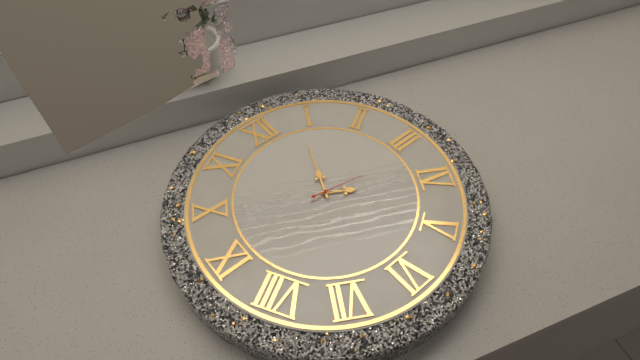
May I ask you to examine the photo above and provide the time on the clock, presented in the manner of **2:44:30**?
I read **4:04:17**
